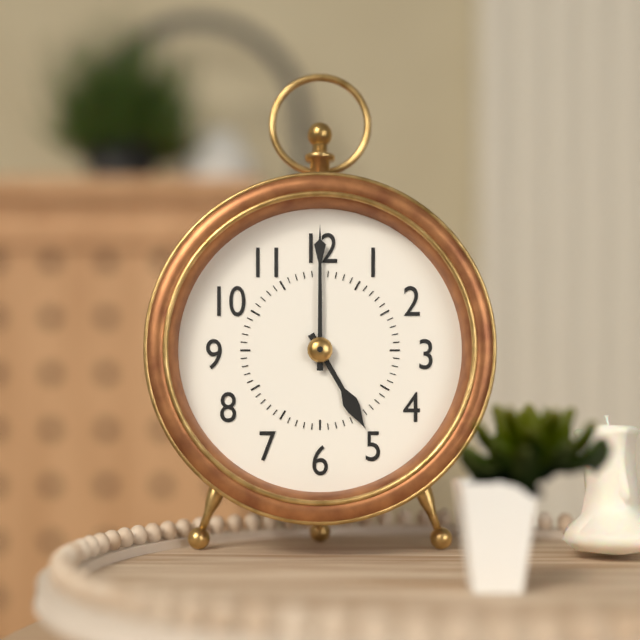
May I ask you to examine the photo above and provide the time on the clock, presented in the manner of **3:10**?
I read **5:00**
